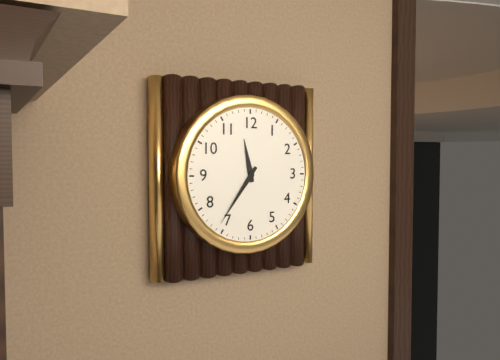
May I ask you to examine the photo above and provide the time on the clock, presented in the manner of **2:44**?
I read **11:36**
